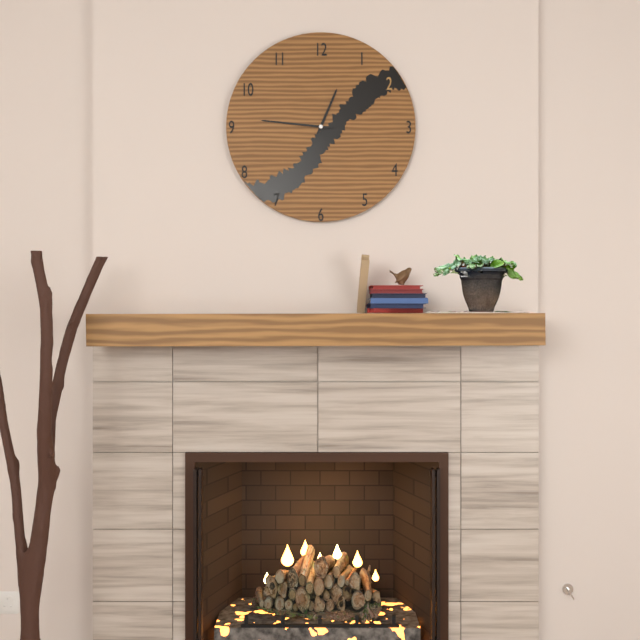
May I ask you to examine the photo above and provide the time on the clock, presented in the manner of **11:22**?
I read **12:46**
